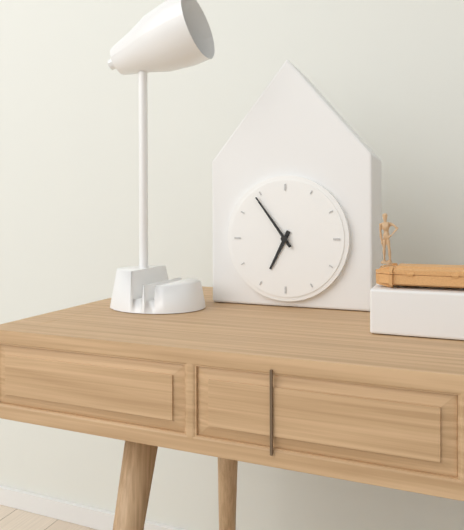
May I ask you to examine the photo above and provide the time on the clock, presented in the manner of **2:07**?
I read **6:54**
